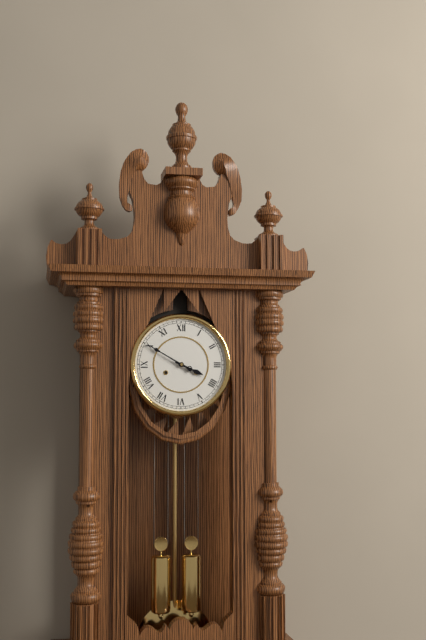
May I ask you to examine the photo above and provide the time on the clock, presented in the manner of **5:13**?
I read **3:50**
